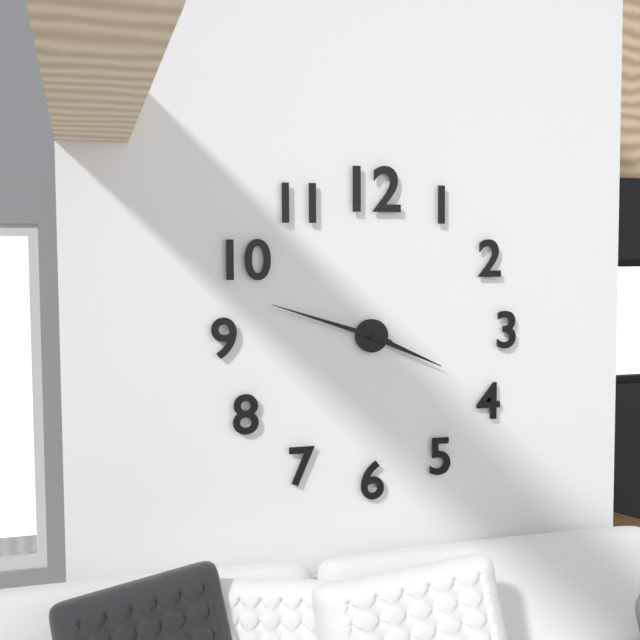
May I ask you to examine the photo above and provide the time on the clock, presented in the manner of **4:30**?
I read **3:48**
